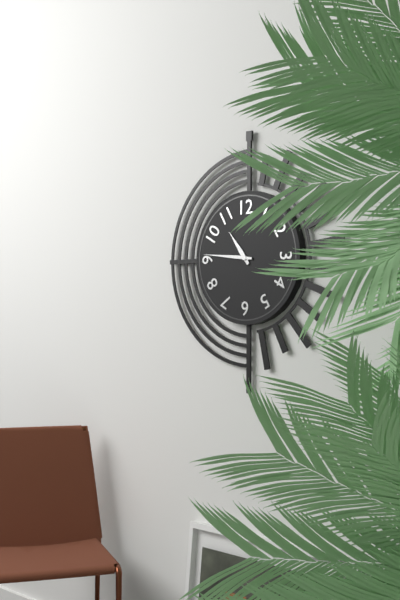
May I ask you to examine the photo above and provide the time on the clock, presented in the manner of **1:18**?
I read **10:46**
